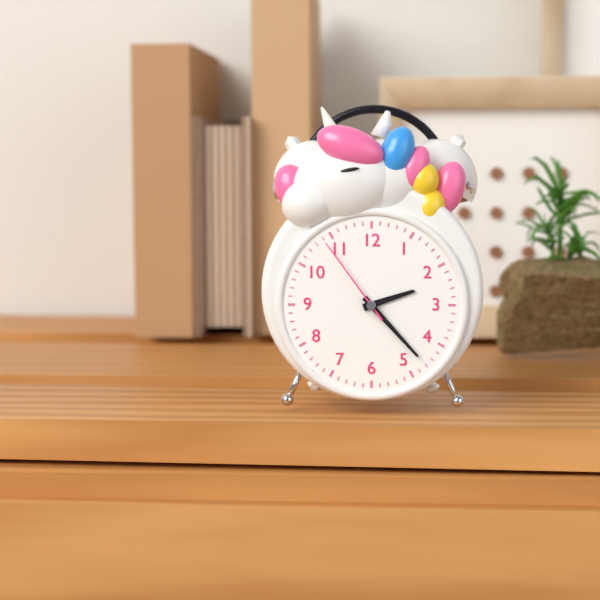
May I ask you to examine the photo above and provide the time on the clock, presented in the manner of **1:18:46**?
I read **2:23:54**
